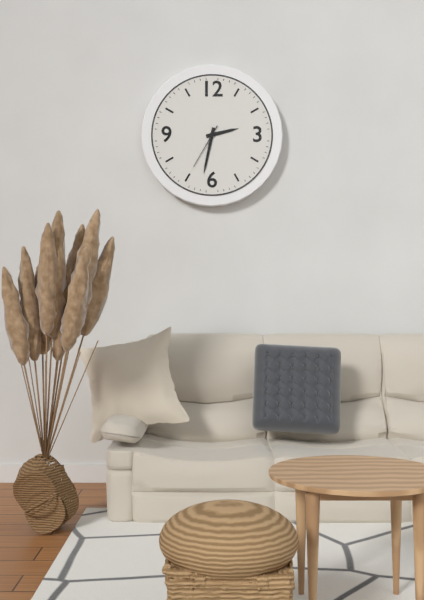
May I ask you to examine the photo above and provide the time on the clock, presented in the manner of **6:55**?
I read **2:32**
